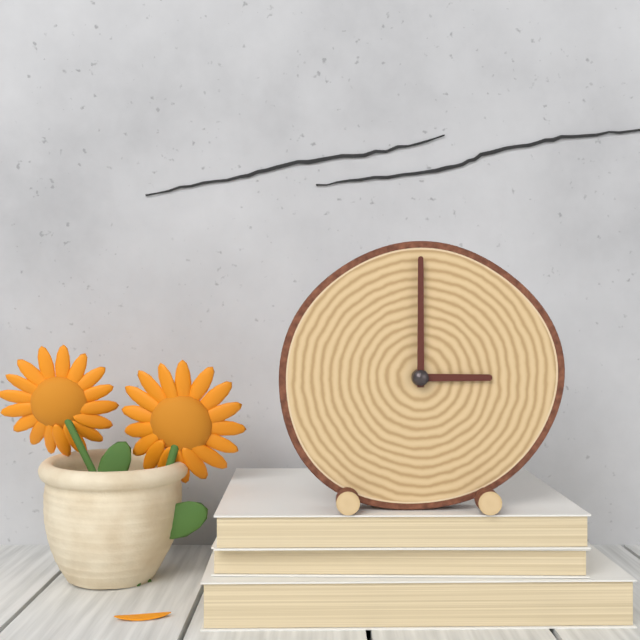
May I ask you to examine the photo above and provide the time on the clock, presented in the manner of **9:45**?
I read **3:00**
